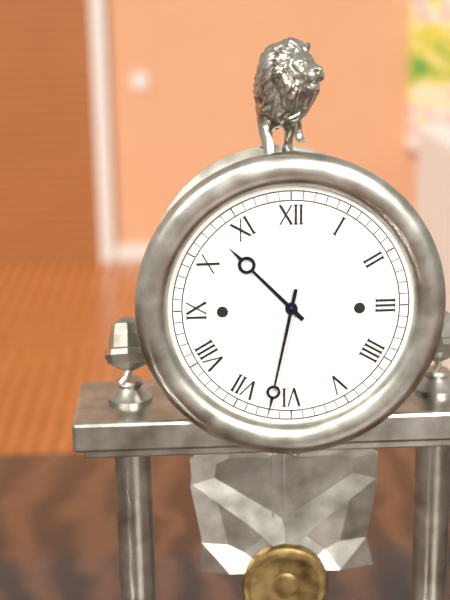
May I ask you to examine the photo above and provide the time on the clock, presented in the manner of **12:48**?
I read **10:32**
